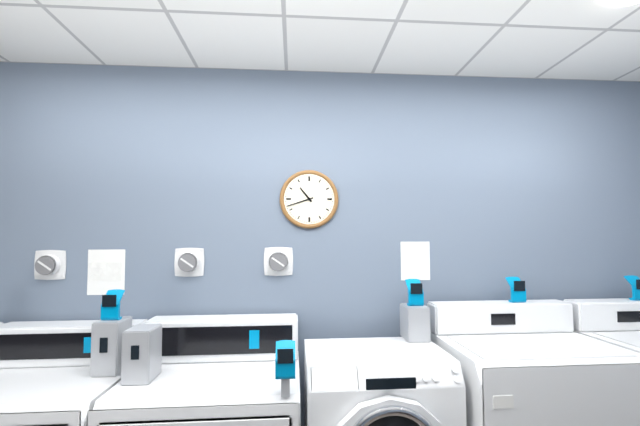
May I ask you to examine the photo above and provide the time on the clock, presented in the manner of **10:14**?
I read **10:42**
